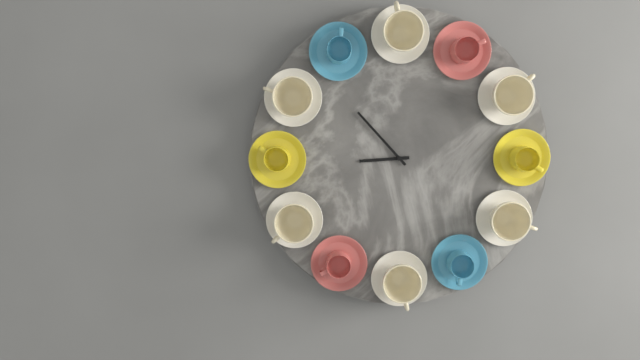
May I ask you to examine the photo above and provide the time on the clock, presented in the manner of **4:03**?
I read **8:53**
